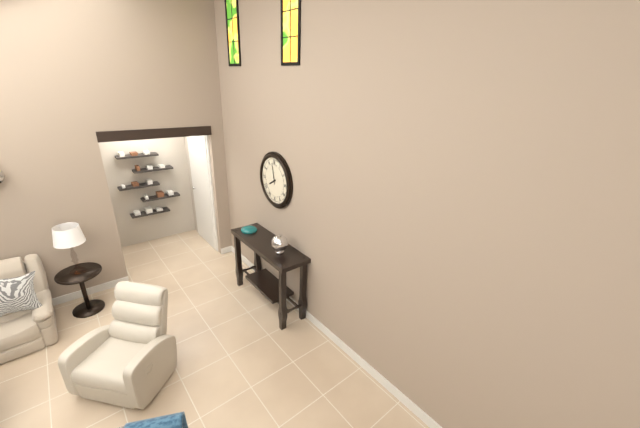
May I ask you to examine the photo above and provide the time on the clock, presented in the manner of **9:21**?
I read **7:58**
